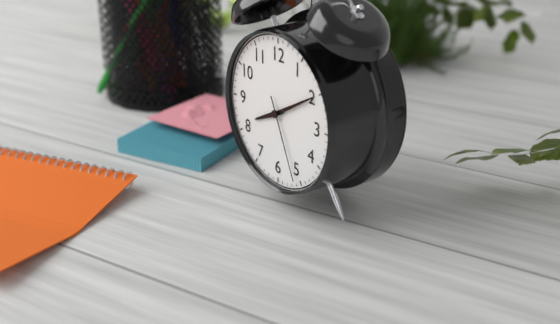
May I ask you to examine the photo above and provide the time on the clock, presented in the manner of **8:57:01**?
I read **8:10:26**
